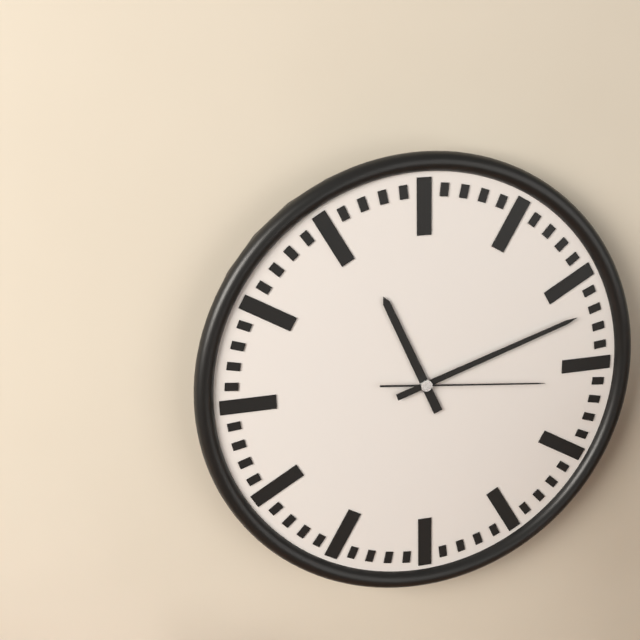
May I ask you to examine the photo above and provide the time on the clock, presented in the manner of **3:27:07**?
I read **11:12:16**
